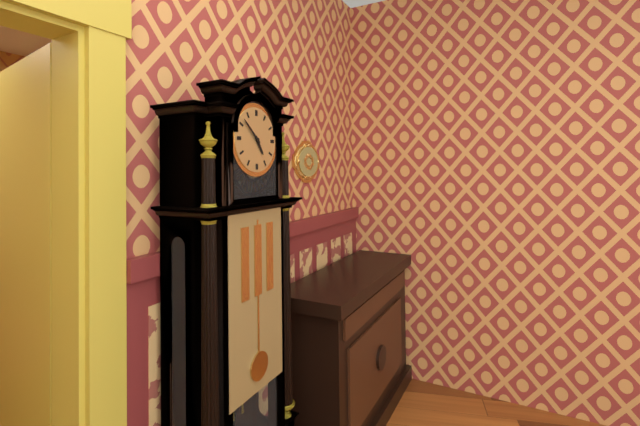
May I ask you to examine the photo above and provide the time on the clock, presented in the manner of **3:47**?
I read **4:52**
